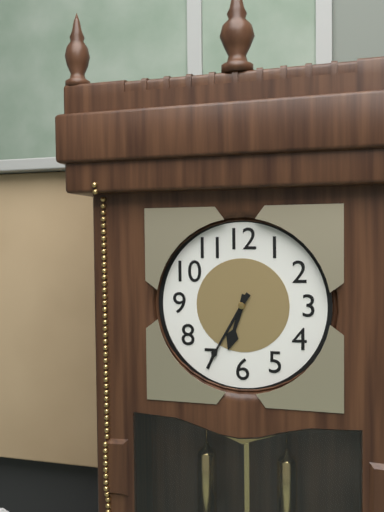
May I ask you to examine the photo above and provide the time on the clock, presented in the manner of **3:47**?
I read **6:35**
